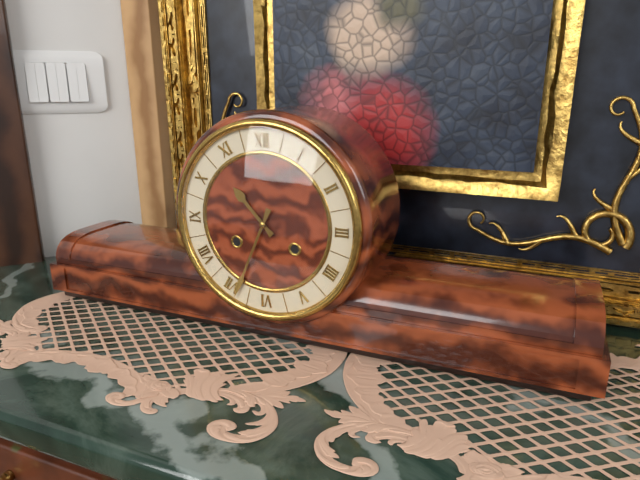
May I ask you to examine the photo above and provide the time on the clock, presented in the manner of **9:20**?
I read **10:34**
